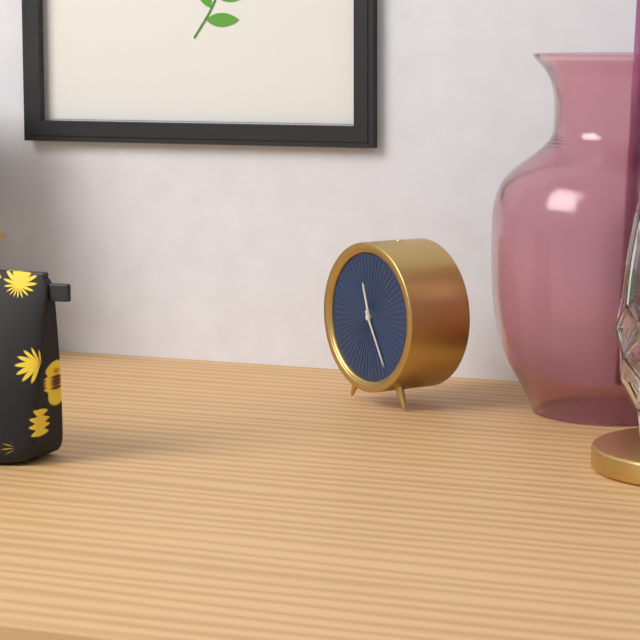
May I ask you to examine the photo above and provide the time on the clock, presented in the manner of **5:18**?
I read **11:25**
